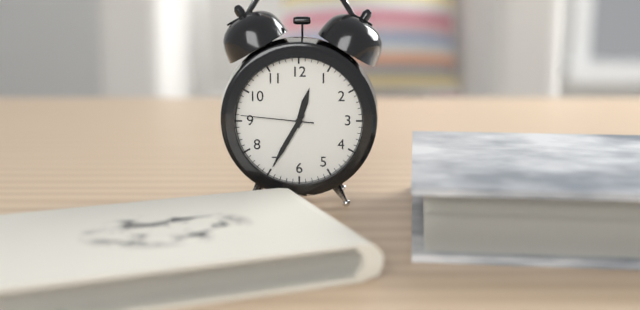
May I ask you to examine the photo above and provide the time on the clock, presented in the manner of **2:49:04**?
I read **12:35:46**
